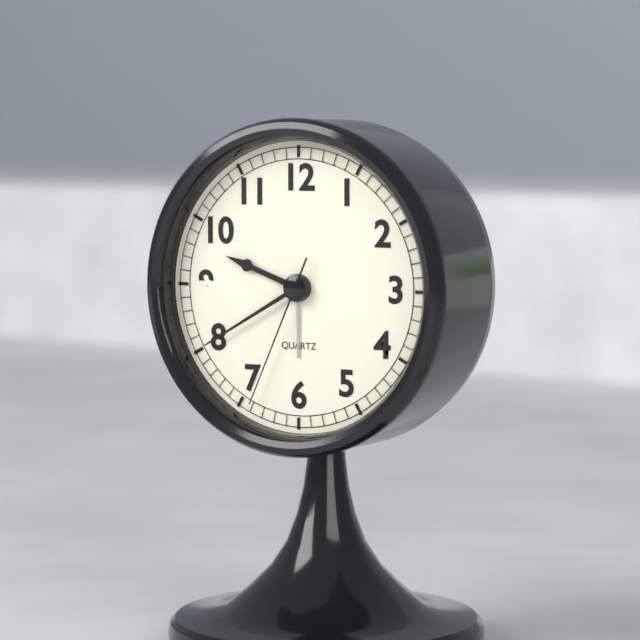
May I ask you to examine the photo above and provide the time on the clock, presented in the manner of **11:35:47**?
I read **9:40:34**
